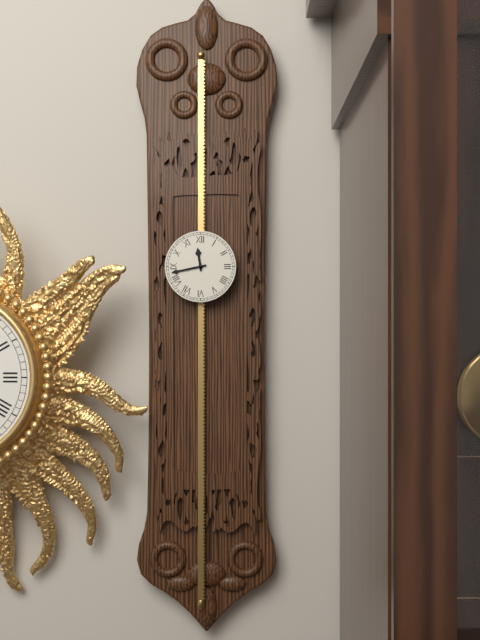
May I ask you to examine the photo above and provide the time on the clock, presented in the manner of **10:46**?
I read **11:43**
